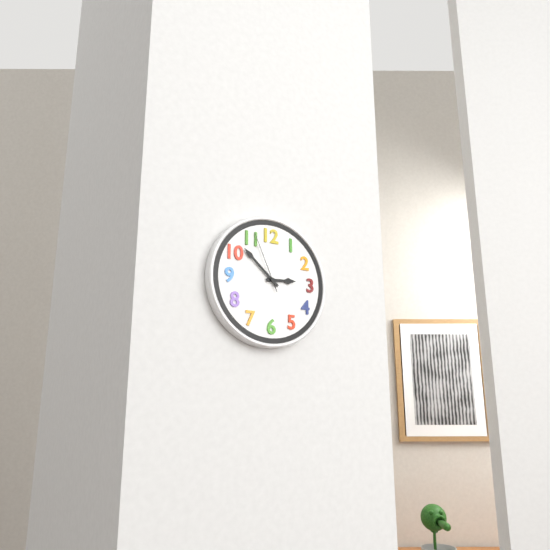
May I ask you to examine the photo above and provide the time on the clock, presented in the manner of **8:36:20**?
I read **2:52:56**
